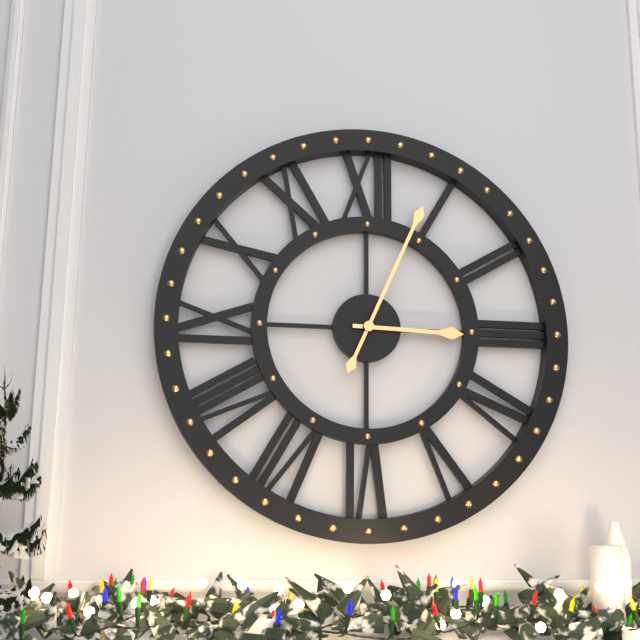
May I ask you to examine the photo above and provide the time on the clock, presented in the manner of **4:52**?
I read **3:04**
